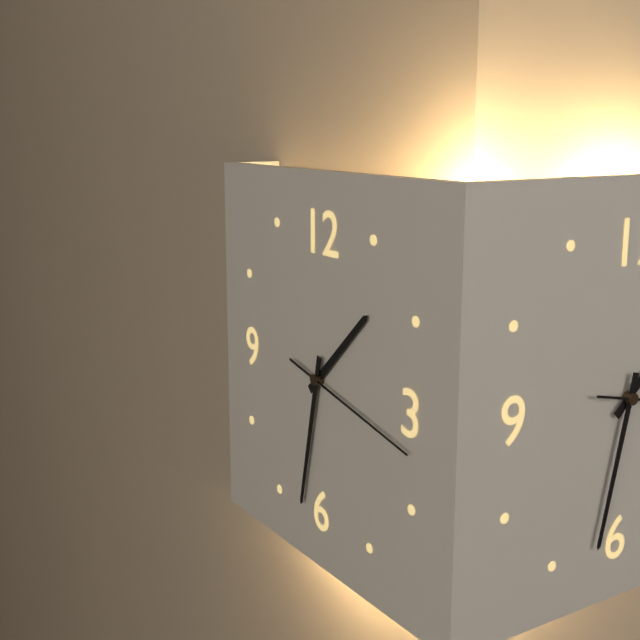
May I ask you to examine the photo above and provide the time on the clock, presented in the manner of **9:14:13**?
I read **1:32:17**
